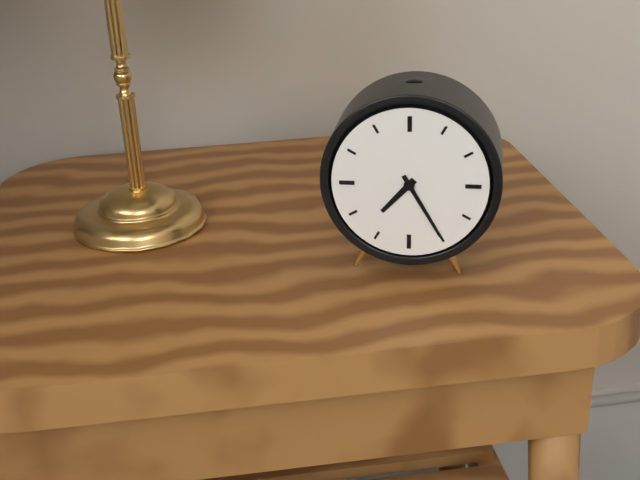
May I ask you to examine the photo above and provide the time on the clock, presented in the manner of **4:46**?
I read **7:25**
